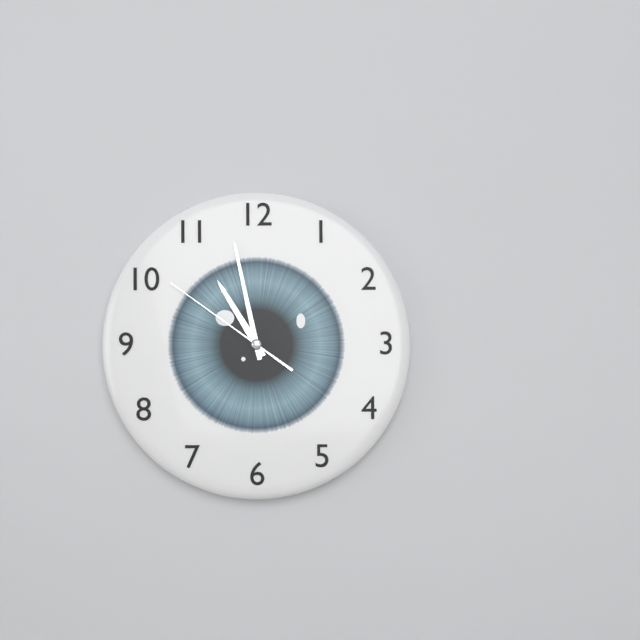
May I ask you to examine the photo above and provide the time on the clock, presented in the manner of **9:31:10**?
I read **10:58:51**
